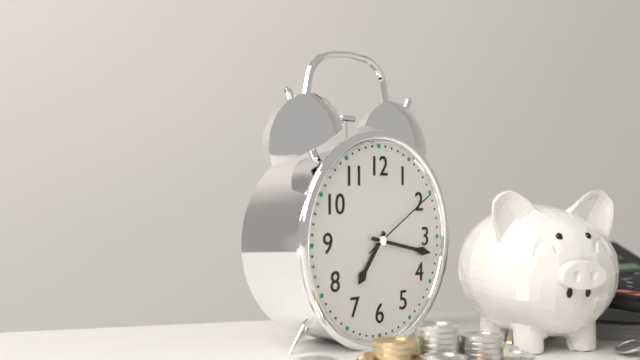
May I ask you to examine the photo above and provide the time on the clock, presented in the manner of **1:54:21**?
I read **7:17:10**
